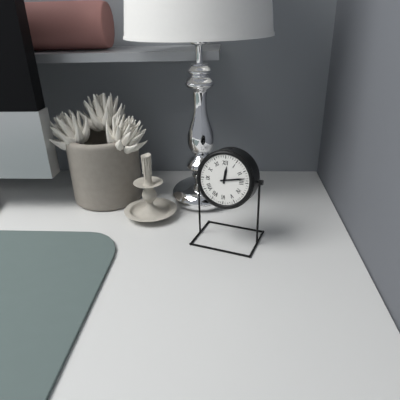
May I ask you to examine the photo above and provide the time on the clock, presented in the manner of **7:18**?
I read **12:13**
